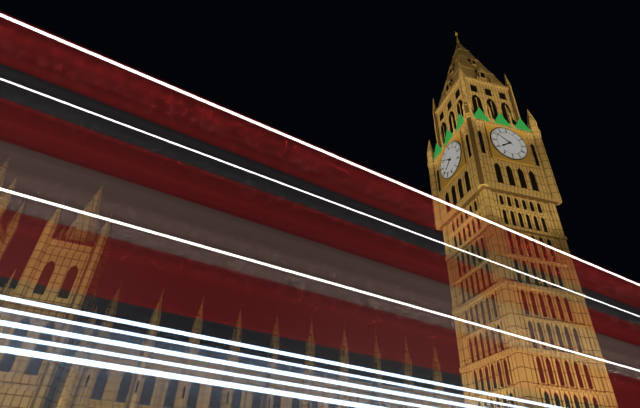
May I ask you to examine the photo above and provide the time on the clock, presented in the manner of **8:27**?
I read **7:51**
